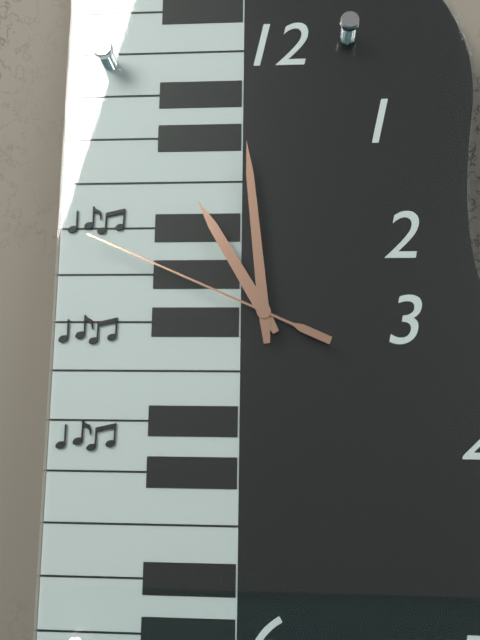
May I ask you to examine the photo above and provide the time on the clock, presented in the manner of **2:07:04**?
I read **10:59:49**
